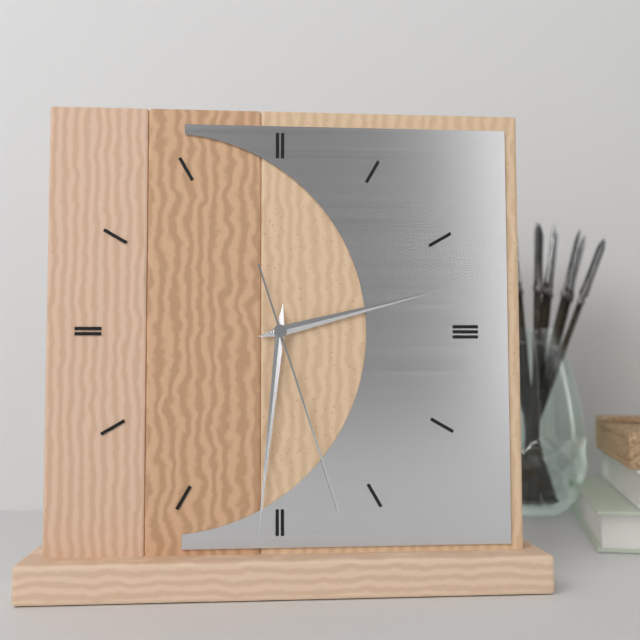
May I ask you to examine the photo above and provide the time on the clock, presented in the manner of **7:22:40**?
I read **2:31:27**
